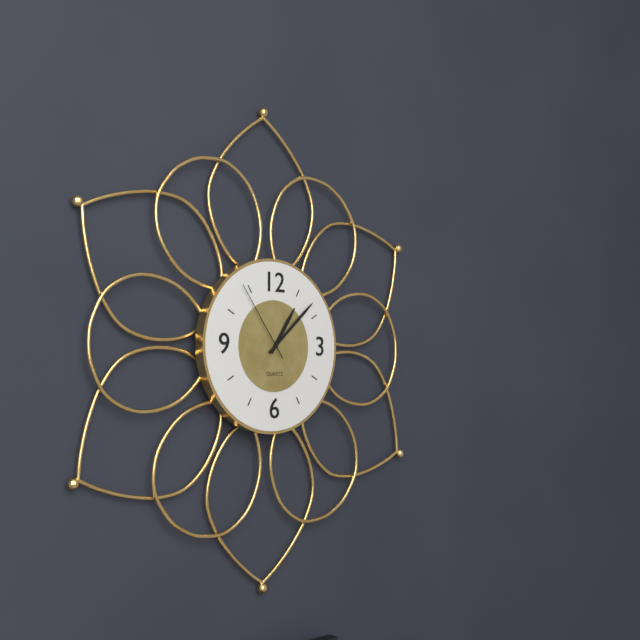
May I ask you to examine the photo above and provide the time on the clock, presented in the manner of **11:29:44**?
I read **1:08:54**
